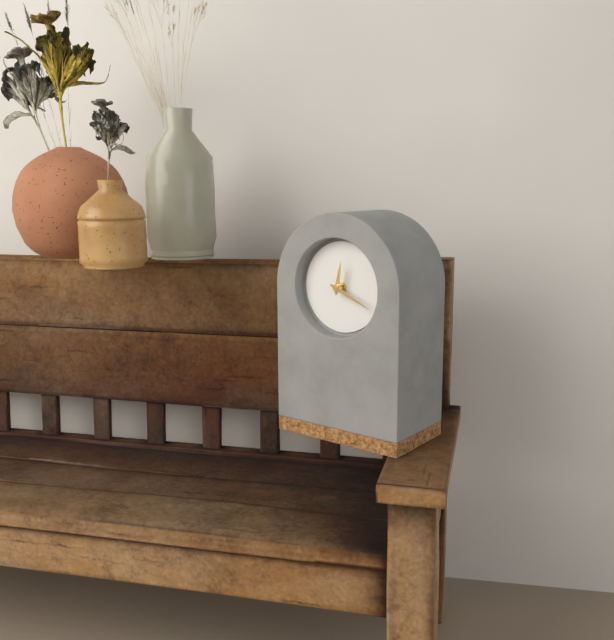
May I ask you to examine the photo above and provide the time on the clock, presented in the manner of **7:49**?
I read **12:19**
